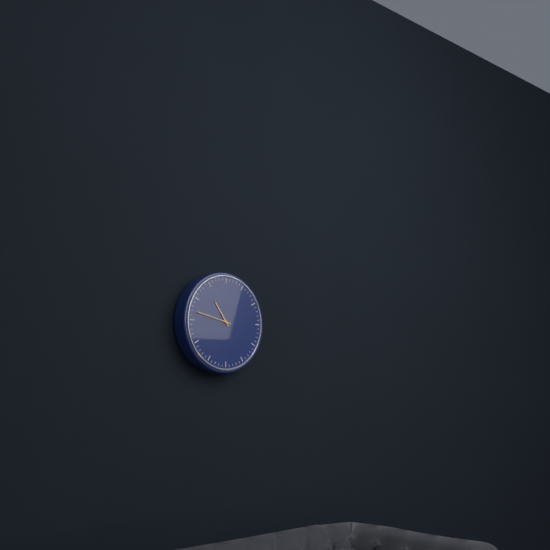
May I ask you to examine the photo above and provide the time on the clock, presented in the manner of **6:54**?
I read **10:47**
